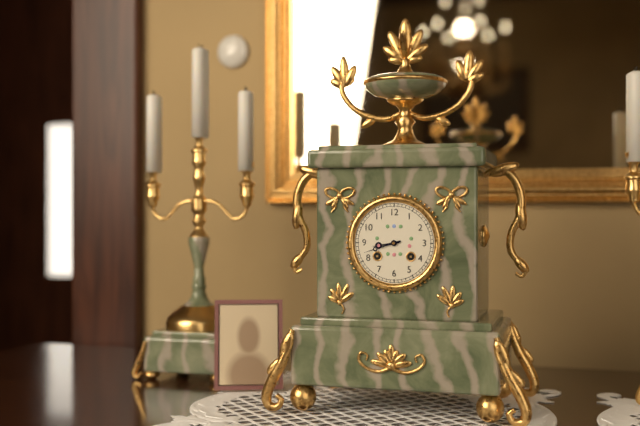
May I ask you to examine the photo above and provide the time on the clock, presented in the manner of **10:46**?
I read **8:42**
